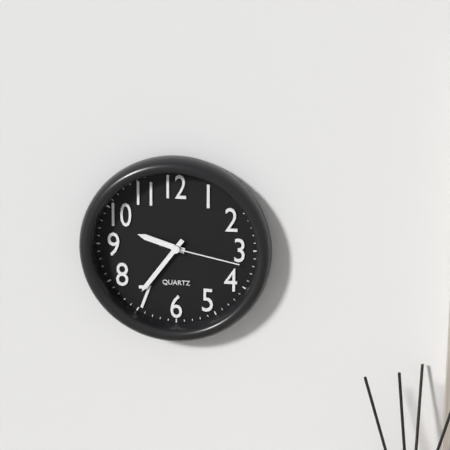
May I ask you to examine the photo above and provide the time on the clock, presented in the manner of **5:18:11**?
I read **9:36:17**
